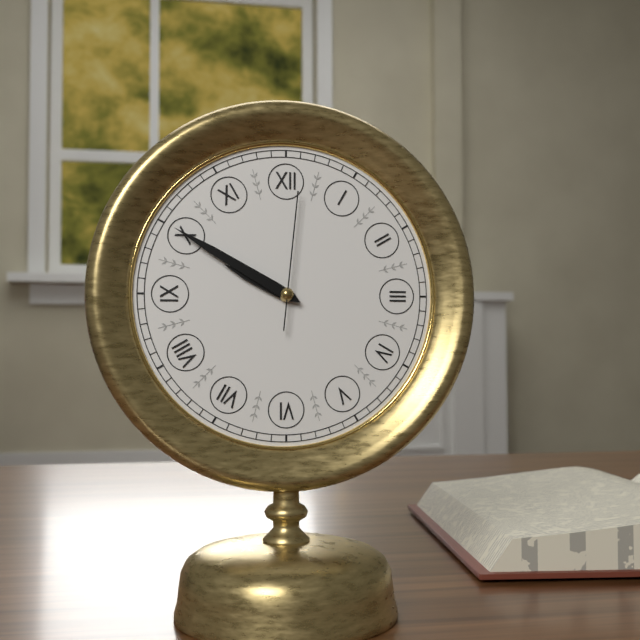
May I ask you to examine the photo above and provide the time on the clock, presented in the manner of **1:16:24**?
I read **9:50:01**
